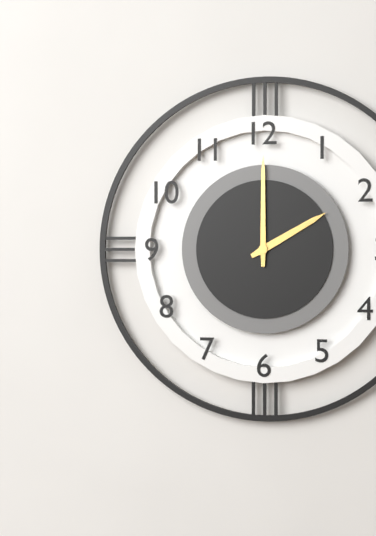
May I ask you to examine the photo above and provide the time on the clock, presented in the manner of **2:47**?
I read **2:00**
